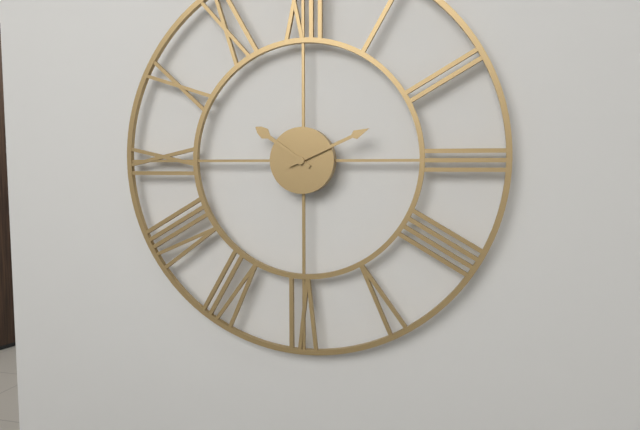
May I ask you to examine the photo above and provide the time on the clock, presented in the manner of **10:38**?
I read **10:11**
